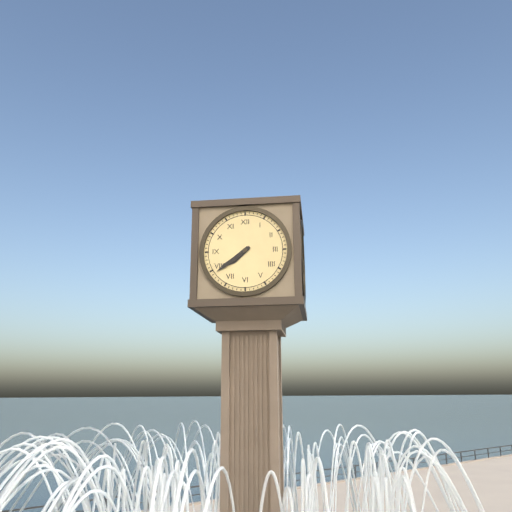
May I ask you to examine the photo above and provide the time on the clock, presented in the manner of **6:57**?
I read **7:39**
